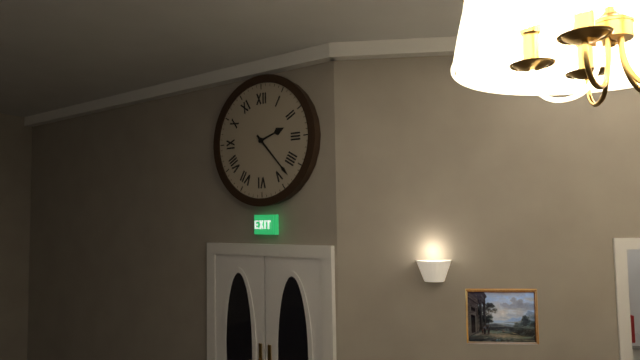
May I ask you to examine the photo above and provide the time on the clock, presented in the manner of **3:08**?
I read **2:23**
